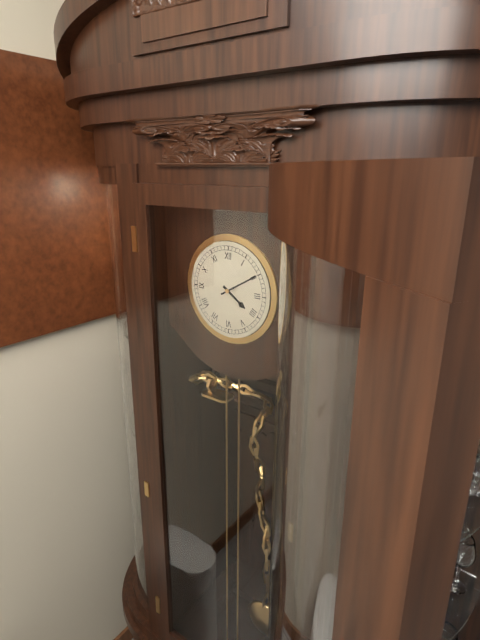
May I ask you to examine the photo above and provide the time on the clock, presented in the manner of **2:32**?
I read **4:10**
